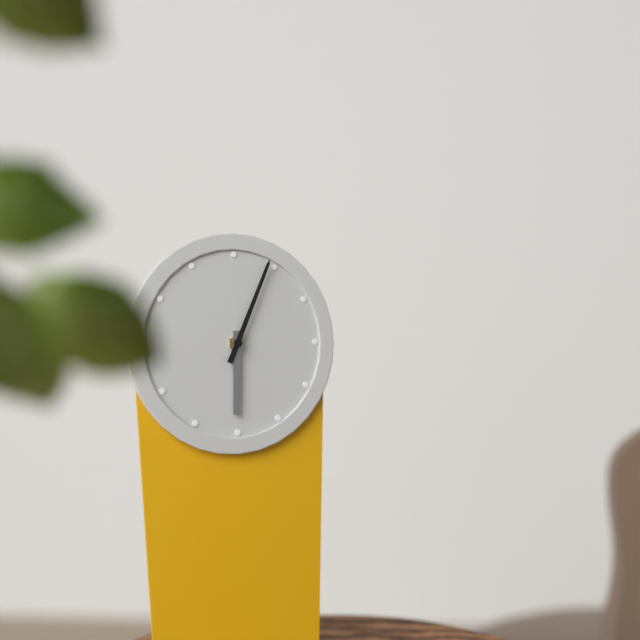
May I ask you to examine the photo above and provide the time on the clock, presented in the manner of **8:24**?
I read **6:04**
